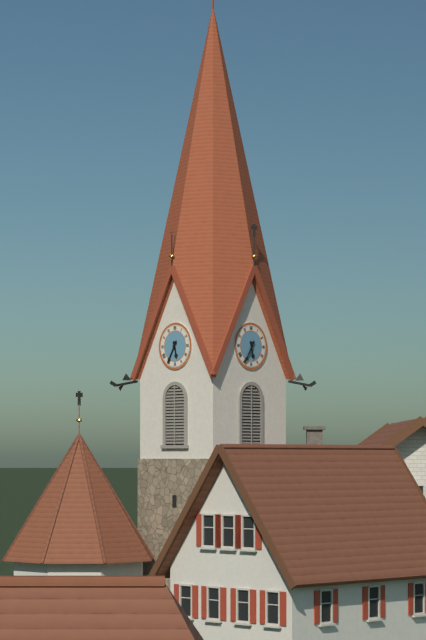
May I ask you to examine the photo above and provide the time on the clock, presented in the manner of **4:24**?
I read **5:35**
